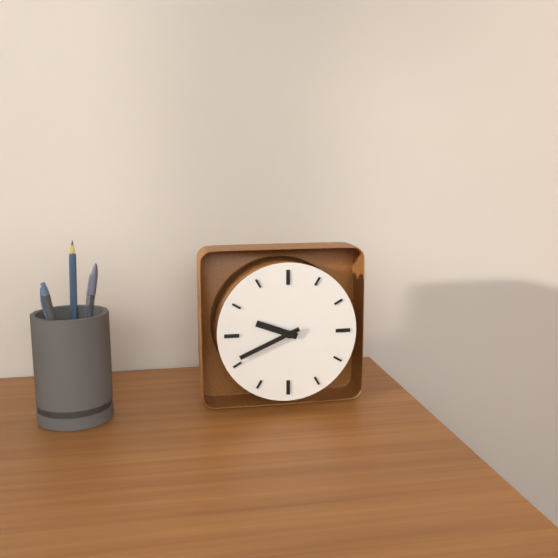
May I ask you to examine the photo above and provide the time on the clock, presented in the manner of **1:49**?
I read **9:41**
